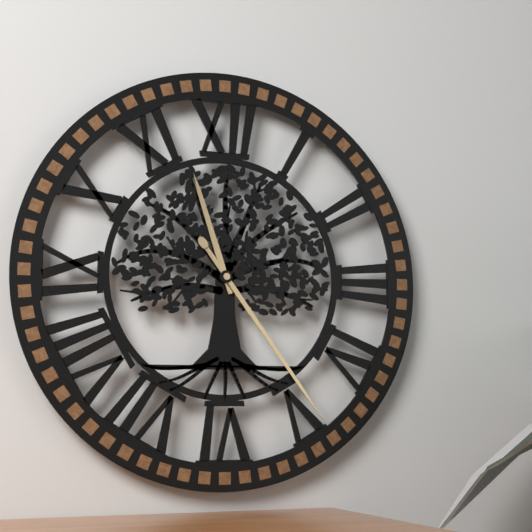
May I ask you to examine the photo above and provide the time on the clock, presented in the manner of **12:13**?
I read **11:24**
